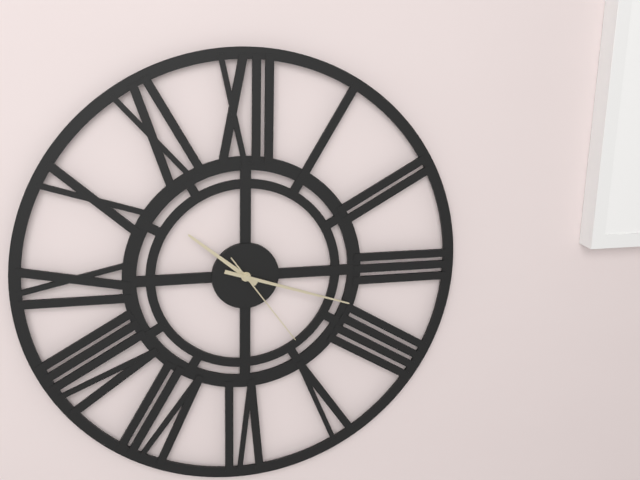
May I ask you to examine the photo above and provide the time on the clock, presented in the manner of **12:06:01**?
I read **10:18:24**
